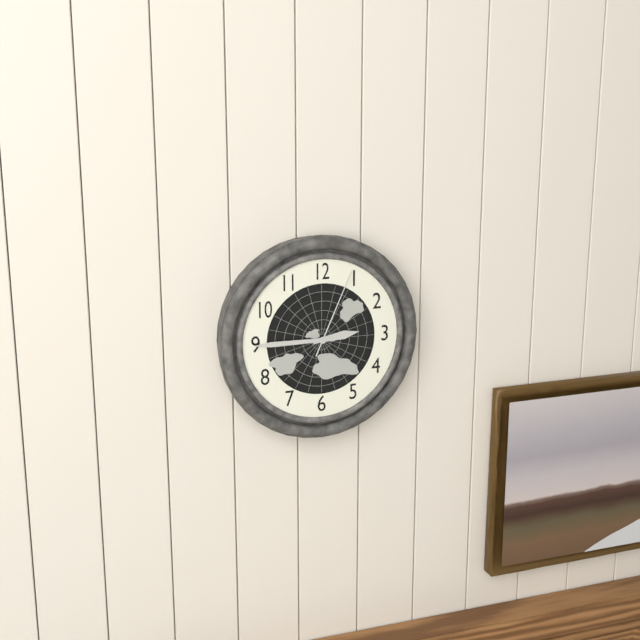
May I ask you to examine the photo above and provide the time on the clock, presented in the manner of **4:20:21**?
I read **2:45:04**
